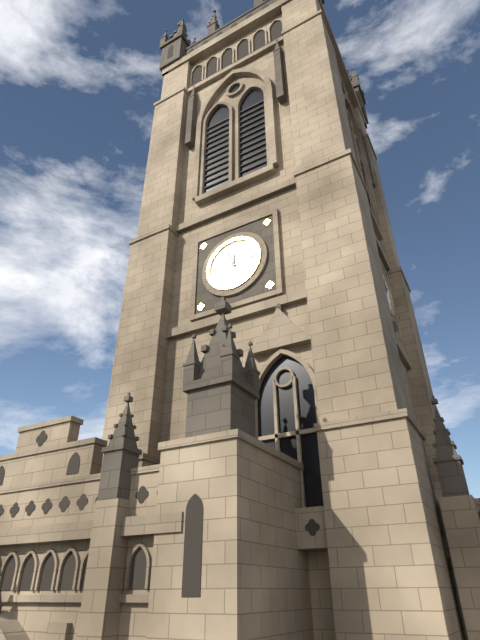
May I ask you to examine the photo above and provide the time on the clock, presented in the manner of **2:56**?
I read **11:56**
